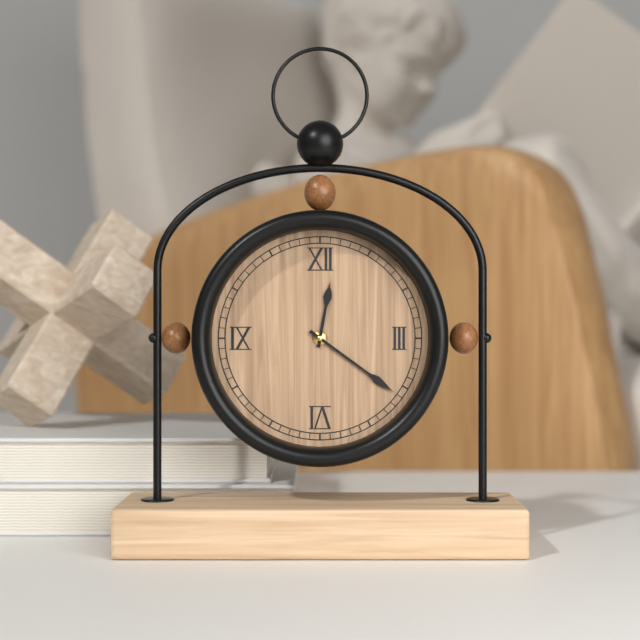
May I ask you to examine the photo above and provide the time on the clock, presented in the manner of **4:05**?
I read **12:21**
